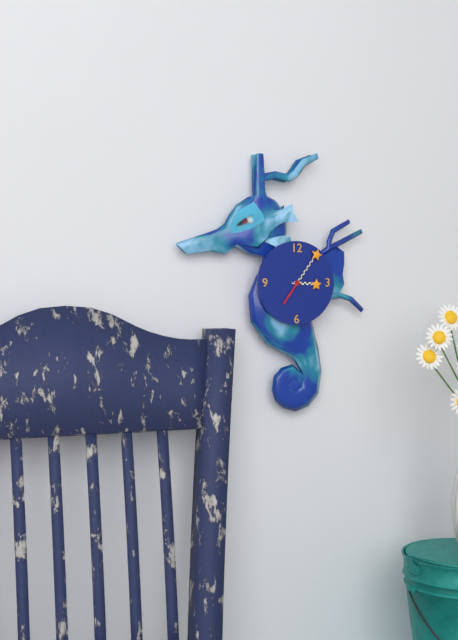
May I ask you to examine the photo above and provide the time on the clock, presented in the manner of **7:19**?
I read **3:06**
